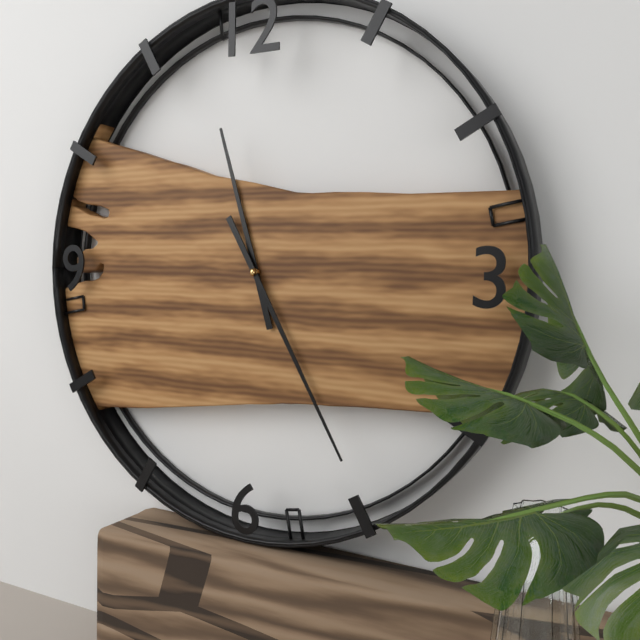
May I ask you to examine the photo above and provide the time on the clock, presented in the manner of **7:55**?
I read **11:25**
